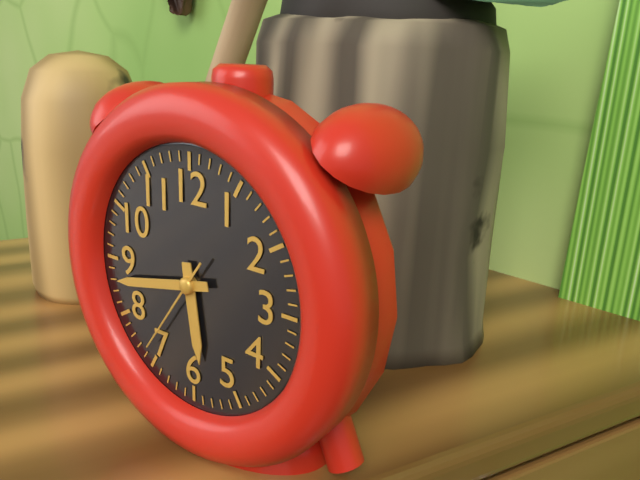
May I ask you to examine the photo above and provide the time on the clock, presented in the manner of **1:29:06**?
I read **5:43:36**
